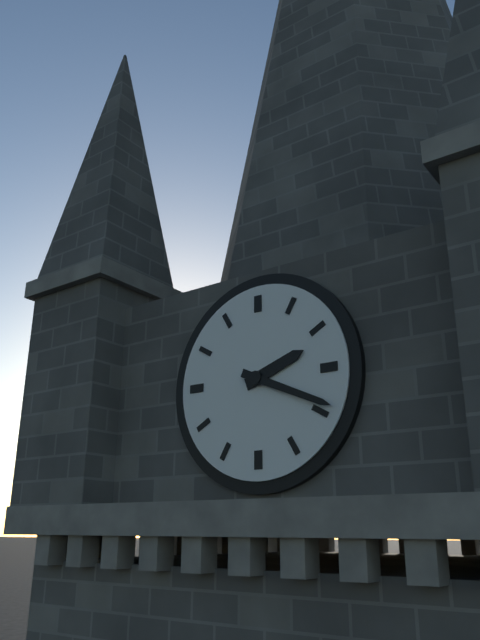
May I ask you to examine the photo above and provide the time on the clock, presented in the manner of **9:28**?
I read **2:19**
